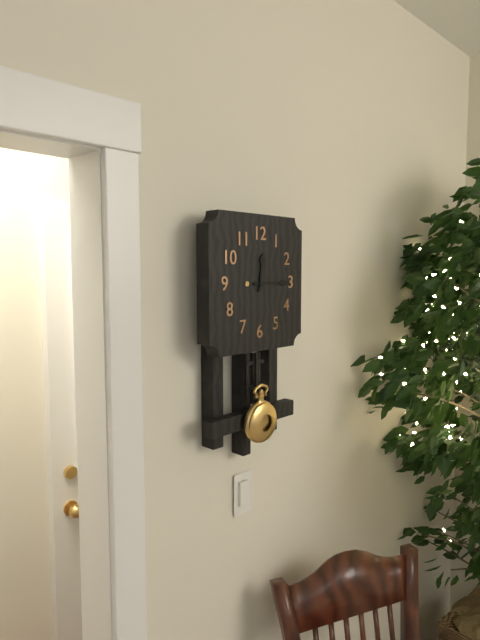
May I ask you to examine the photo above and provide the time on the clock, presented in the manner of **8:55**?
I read **12:15**
